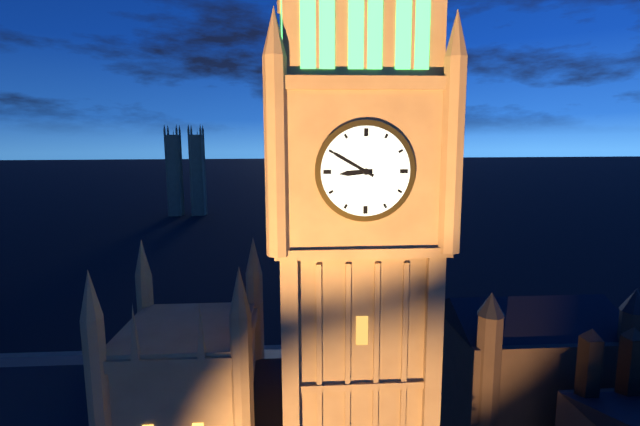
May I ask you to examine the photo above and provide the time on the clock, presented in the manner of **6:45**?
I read **8:50**
